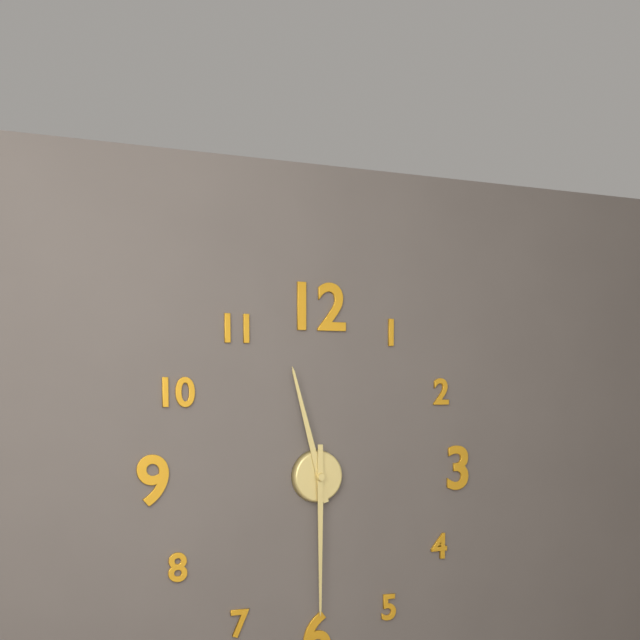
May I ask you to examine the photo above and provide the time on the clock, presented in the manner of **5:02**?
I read **11:30**
